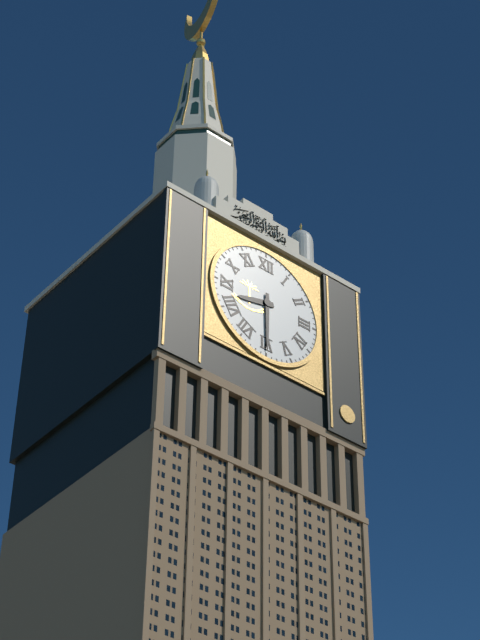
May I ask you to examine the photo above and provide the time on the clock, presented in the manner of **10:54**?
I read **8:30**
